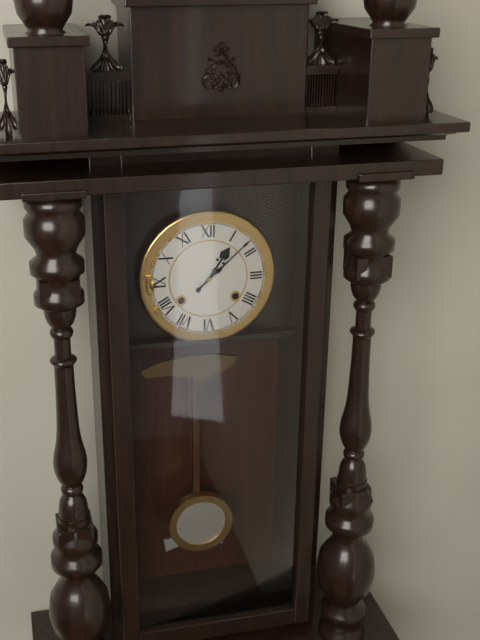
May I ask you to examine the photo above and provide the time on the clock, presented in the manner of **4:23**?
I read **1:08**
